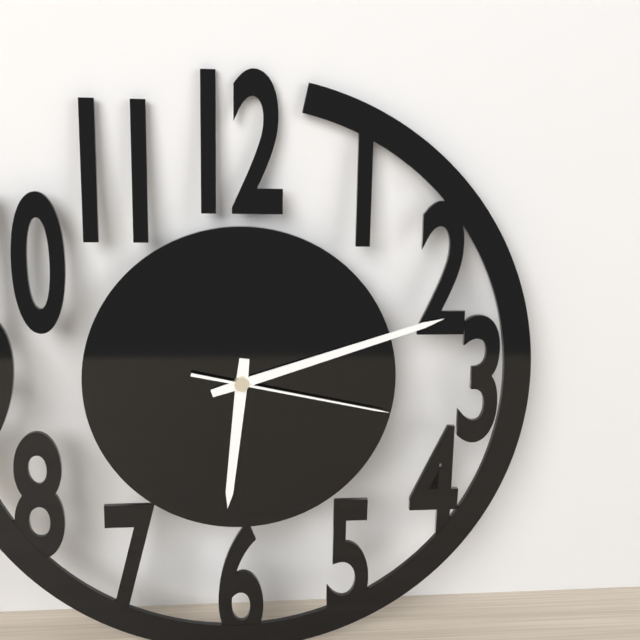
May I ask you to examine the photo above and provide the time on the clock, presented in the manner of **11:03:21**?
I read **6:12:17**
